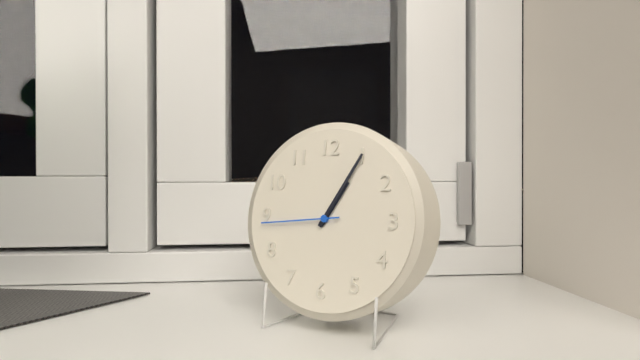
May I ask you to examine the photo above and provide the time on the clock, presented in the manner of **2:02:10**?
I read **1:05:44**
